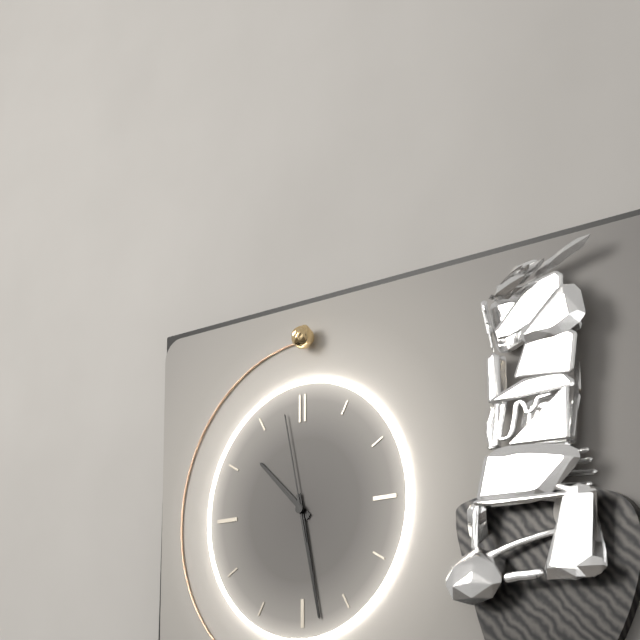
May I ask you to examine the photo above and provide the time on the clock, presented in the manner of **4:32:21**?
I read **10:28:58**
